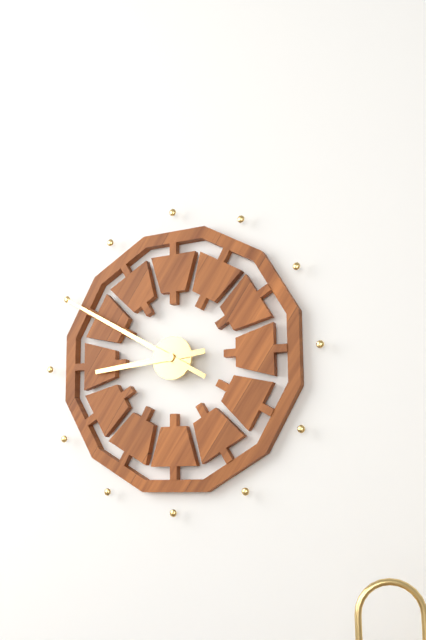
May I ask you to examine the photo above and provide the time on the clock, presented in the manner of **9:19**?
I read **8:50**
